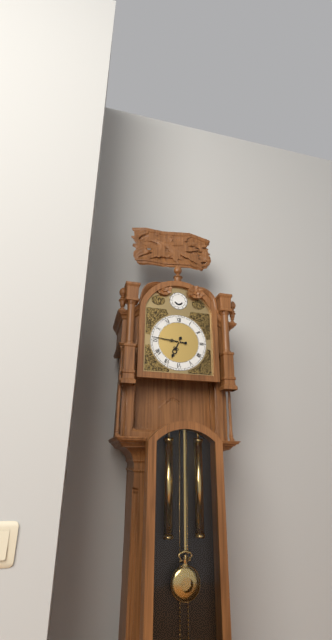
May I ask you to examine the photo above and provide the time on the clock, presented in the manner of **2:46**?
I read **6:46**
